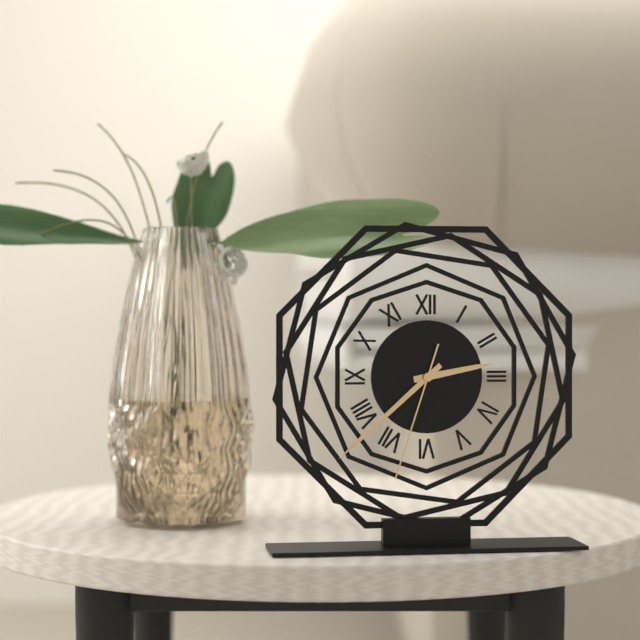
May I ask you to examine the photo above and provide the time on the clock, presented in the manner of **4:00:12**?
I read **2:38:33**
